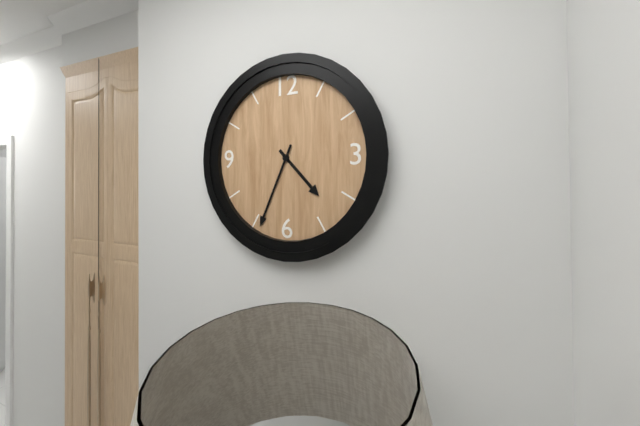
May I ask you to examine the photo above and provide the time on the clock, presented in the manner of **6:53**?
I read **4:34**
